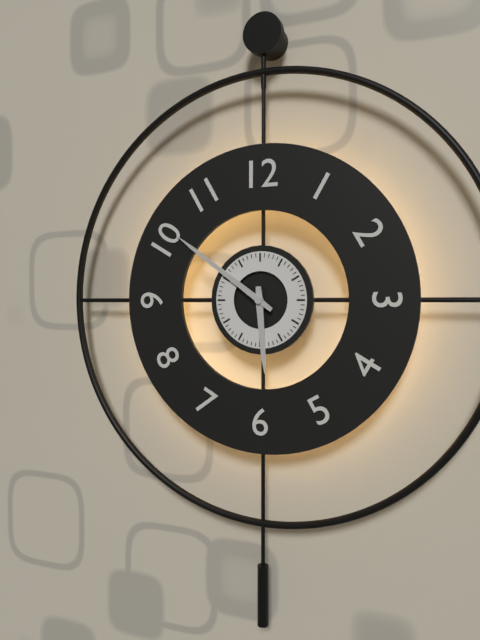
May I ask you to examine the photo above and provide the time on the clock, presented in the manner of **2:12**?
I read **5:51**
